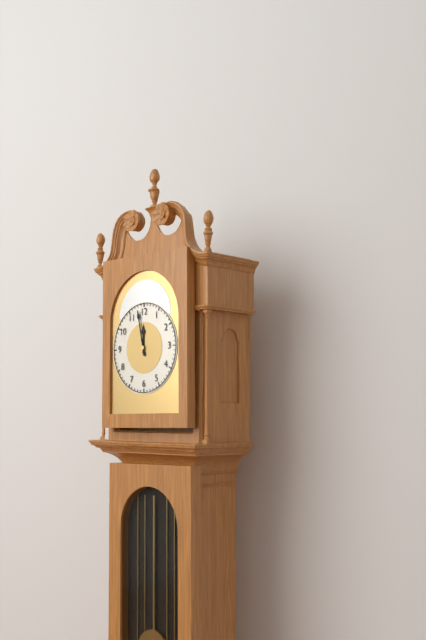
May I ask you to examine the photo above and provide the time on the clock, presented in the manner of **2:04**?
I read **11:58**
